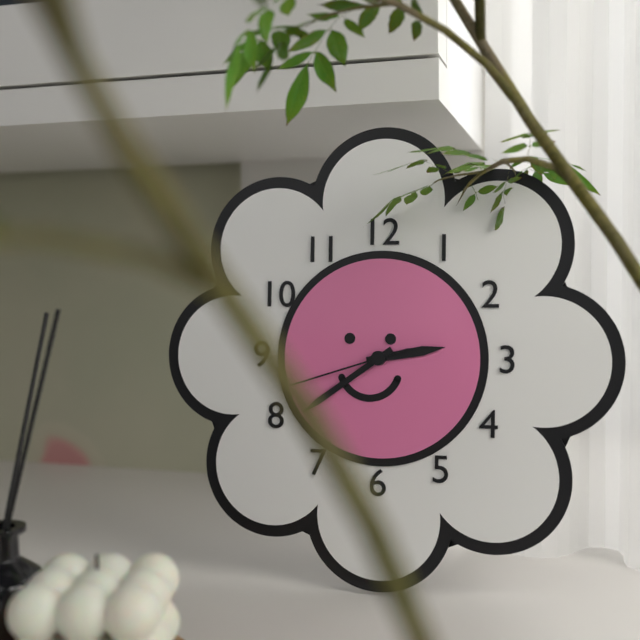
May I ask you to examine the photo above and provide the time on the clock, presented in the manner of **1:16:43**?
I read **2:39:42**
